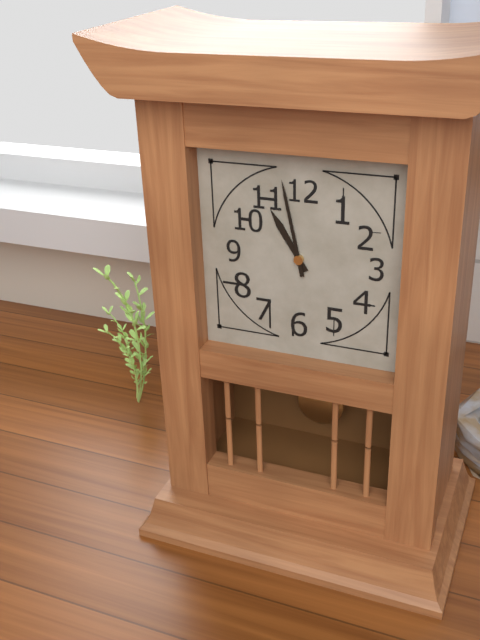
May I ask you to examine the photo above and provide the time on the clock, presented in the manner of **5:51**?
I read **10:58**
